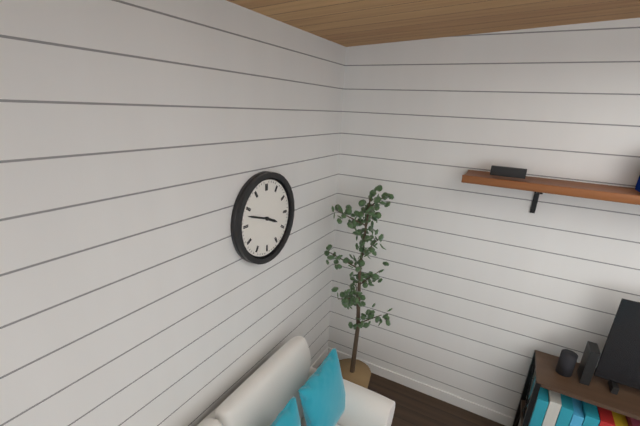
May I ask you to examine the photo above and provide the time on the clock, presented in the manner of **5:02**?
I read **3:48**
